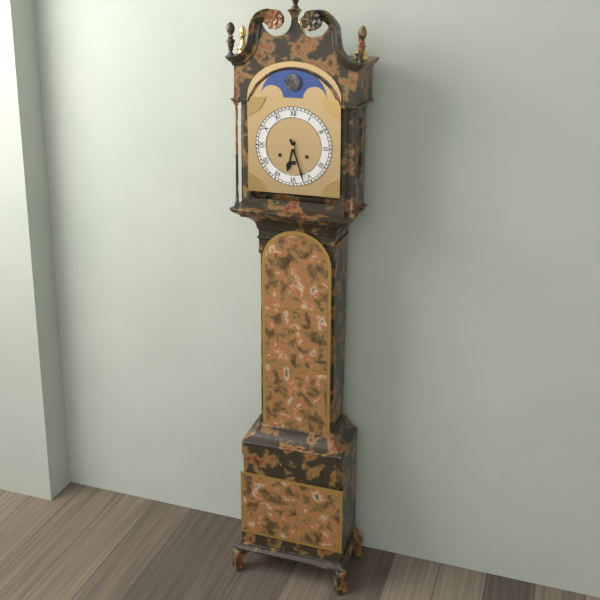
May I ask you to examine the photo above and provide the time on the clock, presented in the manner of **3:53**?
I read **6:27**
